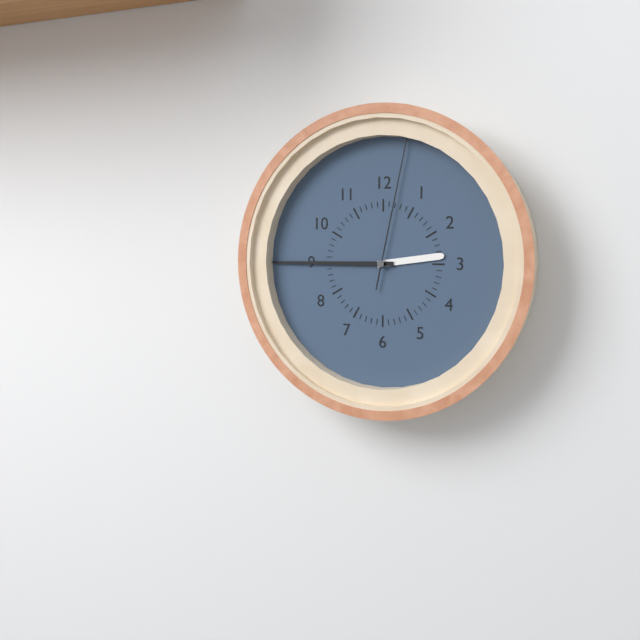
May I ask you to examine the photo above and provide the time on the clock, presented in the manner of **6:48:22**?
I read **2:45:02**
